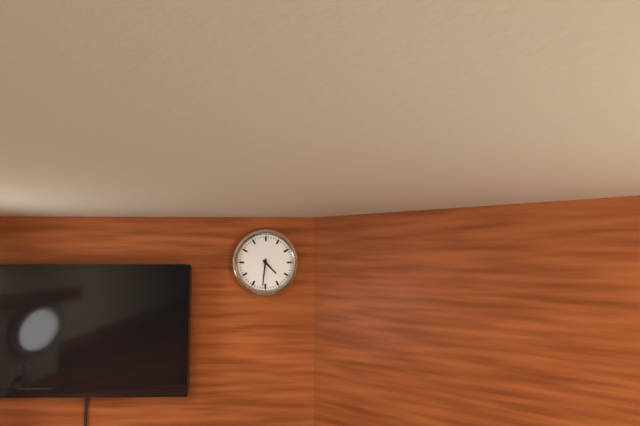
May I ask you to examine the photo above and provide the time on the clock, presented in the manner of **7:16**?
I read **4:31**
